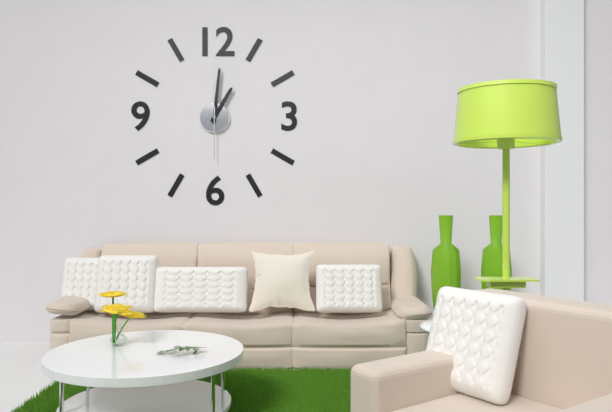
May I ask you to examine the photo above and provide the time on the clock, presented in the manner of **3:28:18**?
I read **1:01:30**
